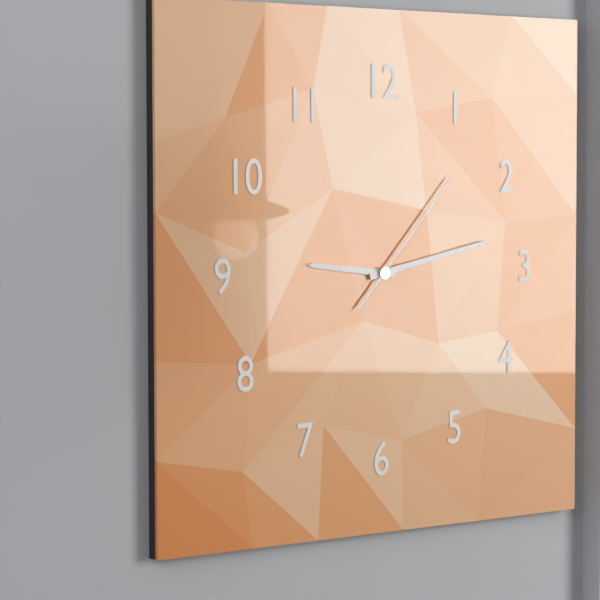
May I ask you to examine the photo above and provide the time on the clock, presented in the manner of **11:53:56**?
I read **9:13:07**
